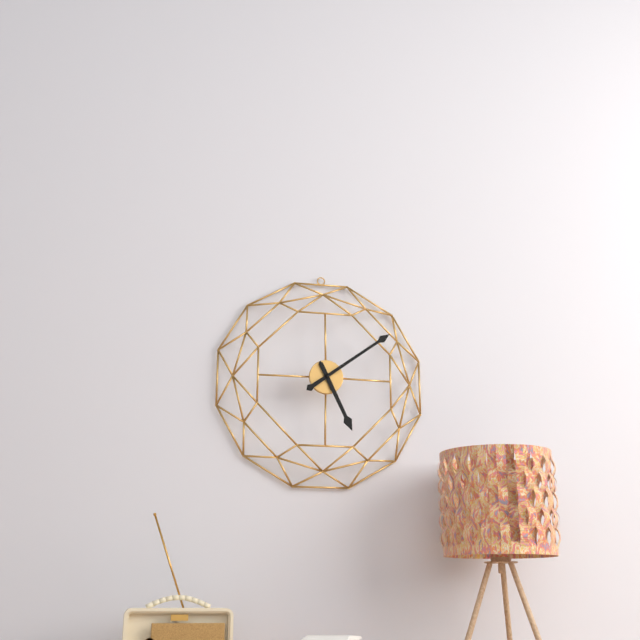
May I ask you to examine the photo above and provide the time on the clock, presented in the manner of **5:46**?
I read **5:09**
